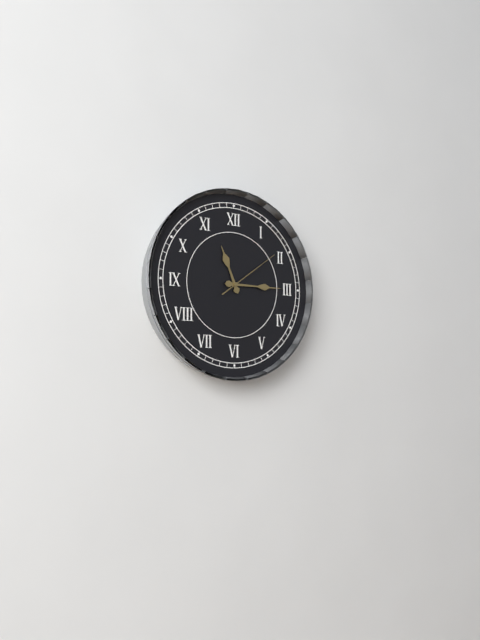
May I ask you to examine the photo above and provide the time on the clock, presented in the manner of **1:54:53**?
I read **11:15:09**
